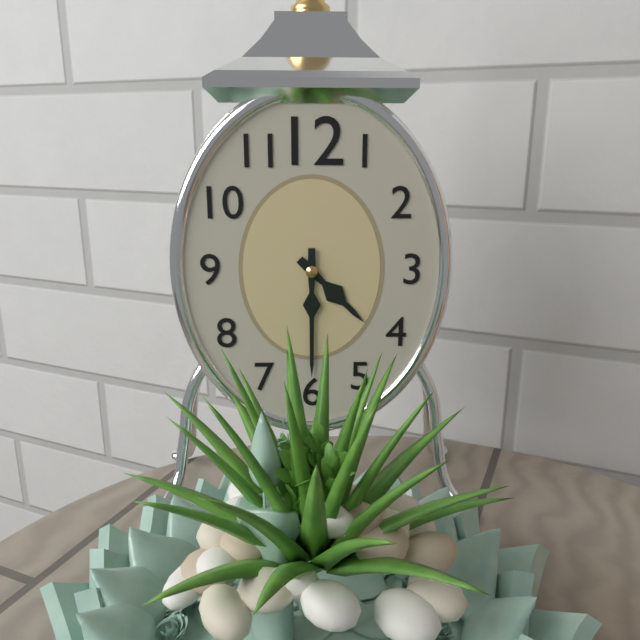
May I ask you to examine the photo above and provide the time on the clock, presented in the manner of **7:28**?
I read **4:30**
